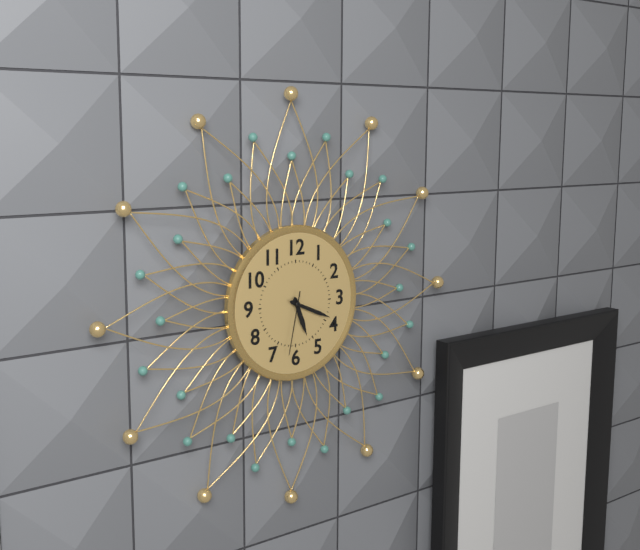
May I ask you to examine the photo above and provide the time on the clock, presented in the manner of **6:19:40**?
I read **5:19:32**
